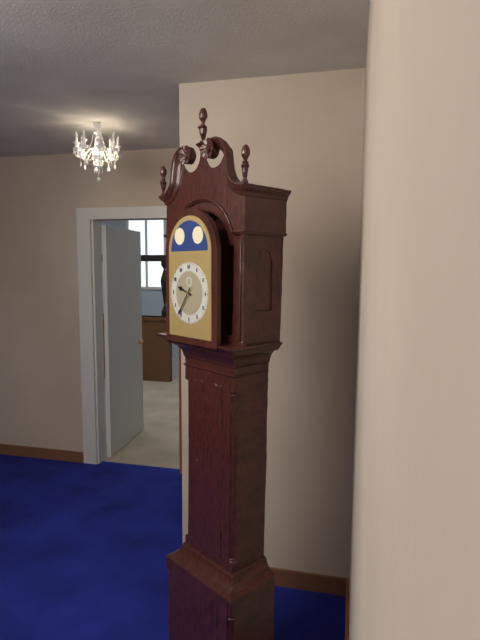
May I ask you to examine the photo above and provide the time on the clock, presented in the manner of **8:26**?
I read **9:36**
